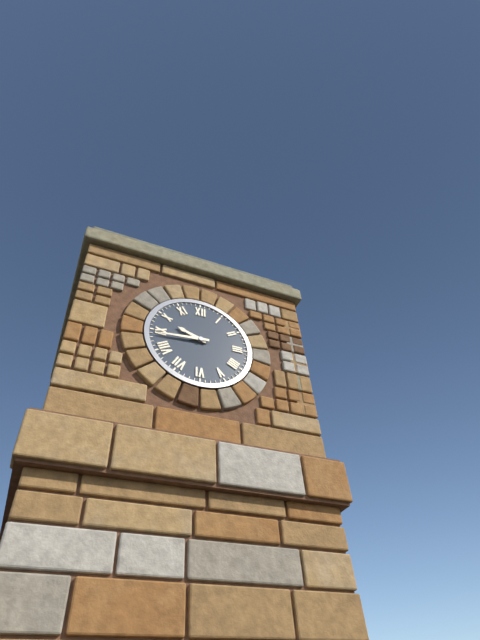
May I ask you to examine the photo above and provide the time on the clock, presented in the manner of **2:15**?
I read **9:44**
